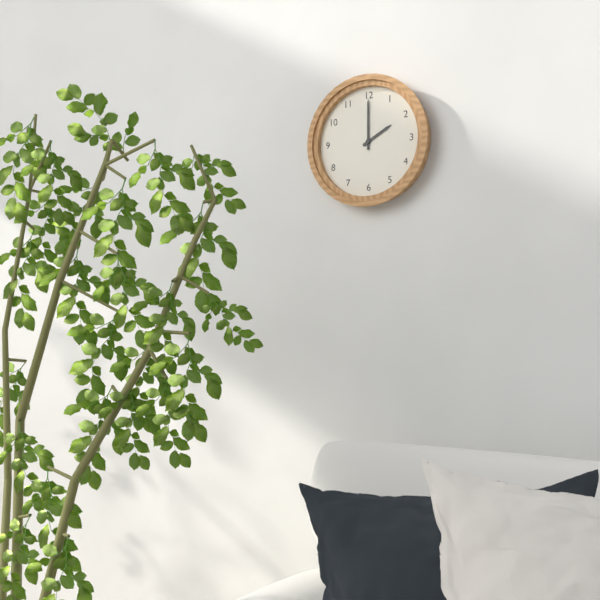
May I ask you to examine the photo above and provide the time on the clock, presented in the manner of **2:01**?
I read **2:00**
